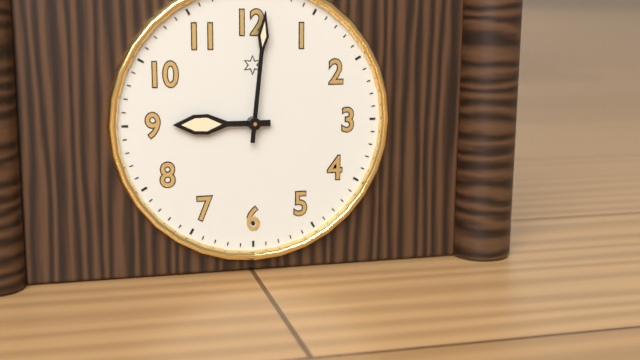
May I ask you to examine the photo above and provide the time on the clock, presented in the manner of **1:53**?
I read **9:01**
